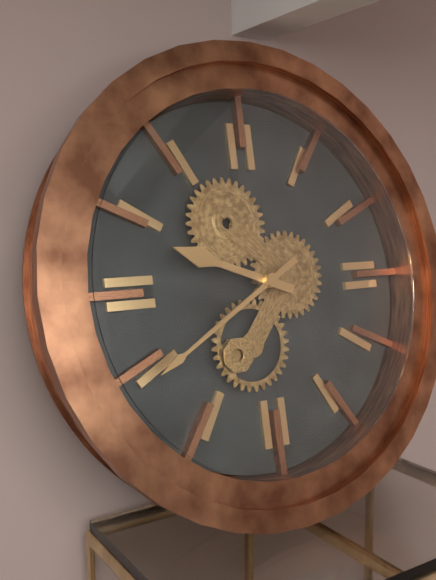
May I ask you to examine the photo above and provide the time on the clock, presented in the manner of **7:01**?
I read **9:40**
